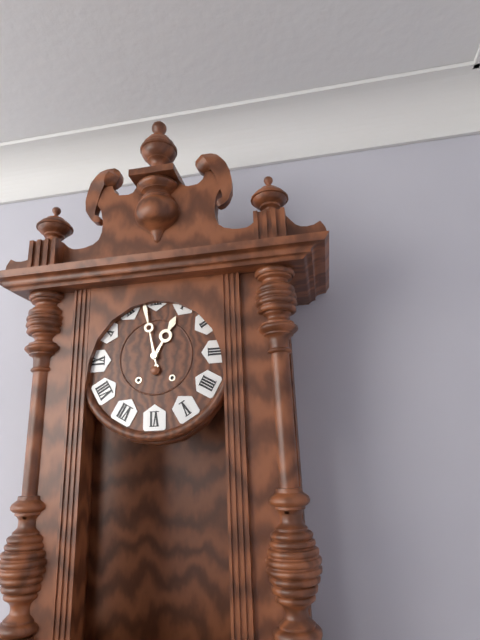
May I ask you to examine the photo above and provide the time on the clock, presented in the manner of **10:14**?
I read **12:58**
